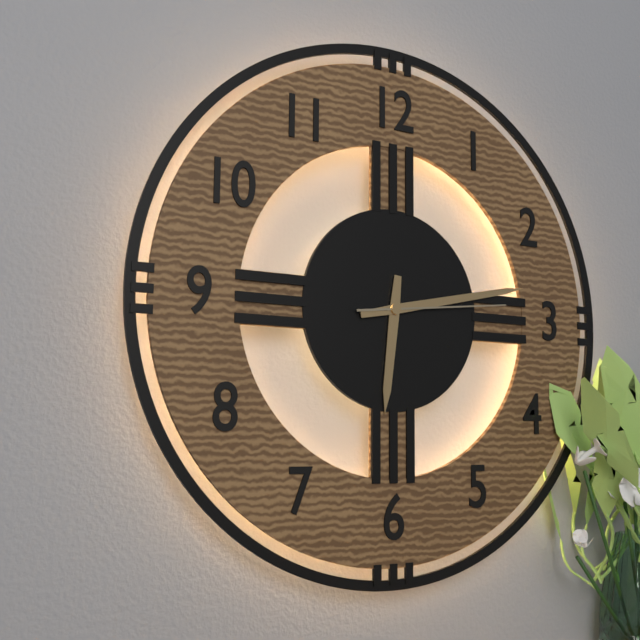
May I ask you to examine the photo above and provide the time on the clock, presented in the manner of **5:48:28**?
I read **6:13:14**
